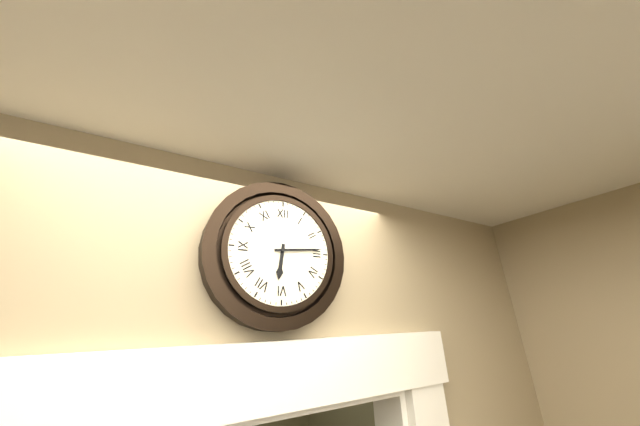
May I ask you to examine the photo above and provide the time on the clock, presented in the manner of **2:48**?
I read **6:14**
